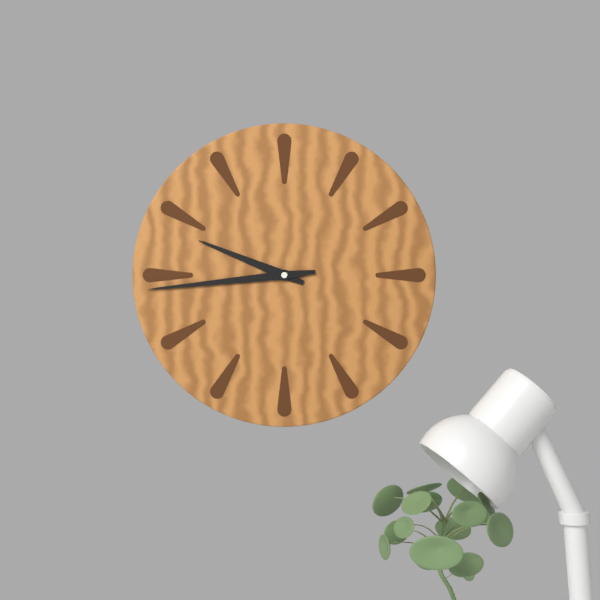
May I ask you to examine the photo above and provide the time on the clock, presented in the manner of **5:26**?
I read **9:44**
